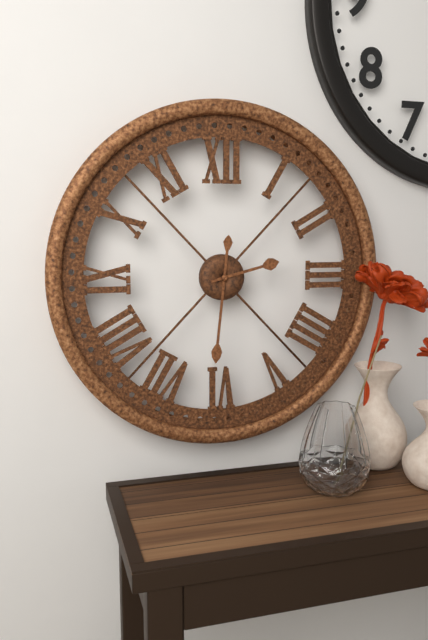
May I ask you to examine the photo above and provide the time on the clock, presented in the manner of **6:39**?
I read **2:31**
